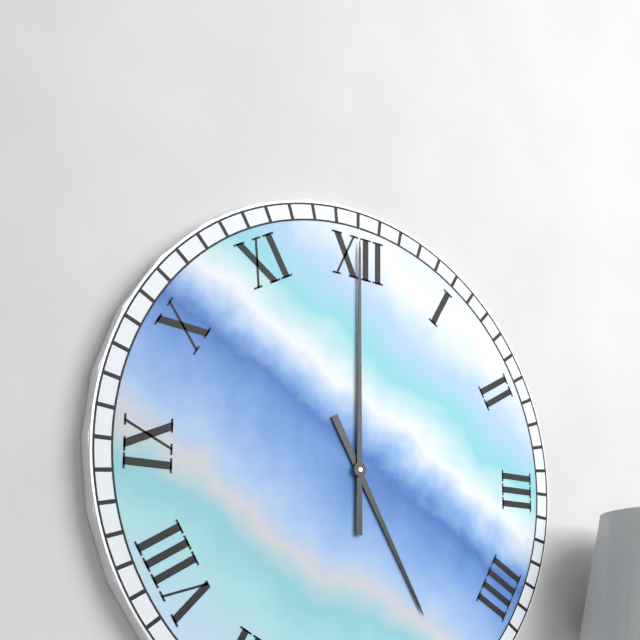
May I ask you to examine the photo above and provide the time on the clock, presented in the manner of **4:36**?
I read **5:00**
